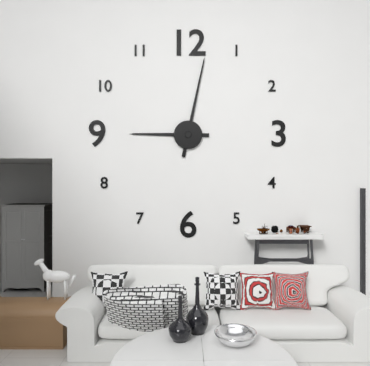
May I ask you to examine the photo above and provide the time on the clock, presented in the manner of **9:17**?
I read **9:02**
